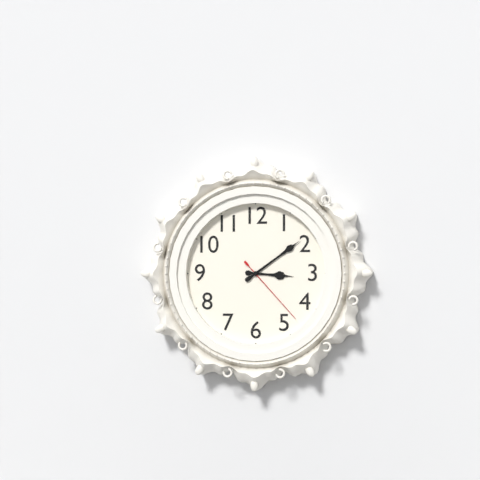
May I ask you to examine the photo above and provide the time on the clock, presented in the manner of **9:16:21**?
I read **3:09:23**
